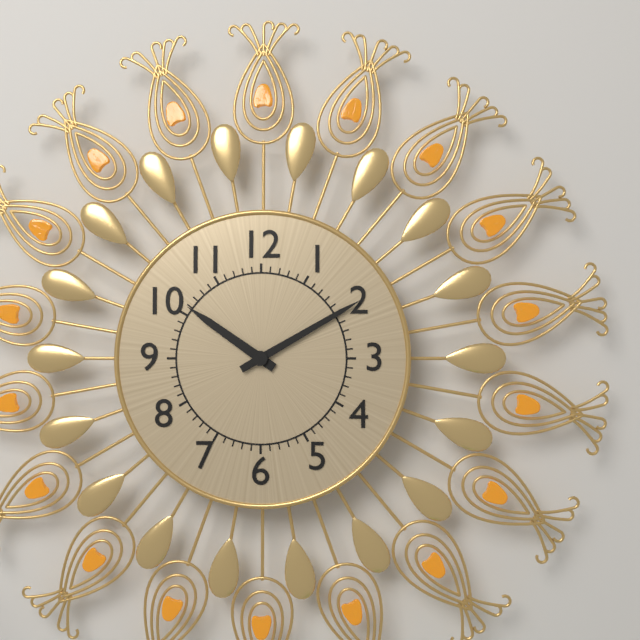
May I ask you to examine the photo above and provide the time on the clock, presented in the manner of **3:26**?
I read **10:10**
